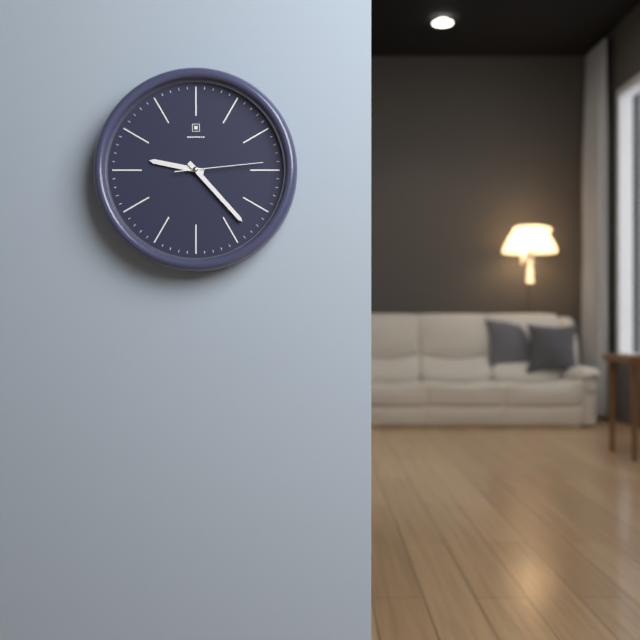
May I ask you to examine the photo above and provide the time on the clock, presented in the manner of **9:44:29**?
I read **9:23:14**
